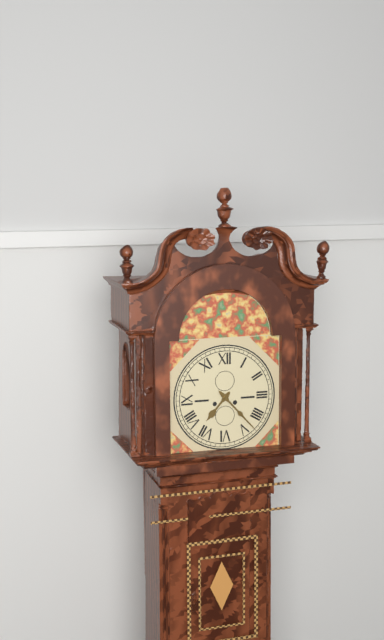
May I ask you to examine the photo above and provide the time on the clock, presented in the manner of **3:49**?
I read **7:23**
